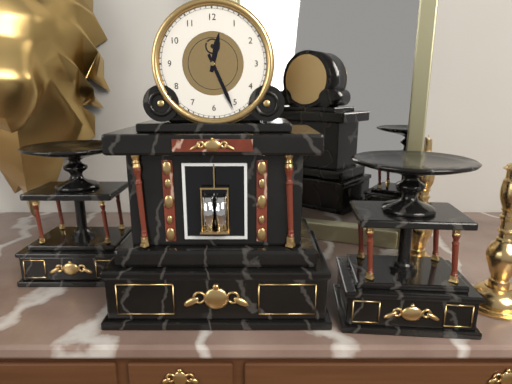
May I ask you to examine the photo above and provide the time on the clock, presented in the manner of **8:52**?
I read **12:26**
